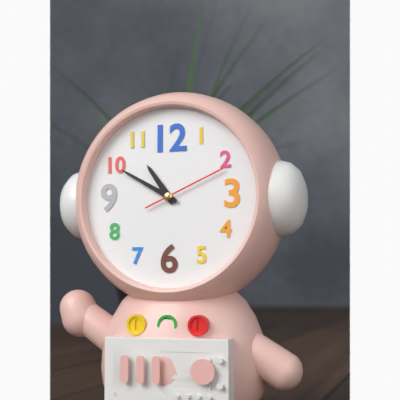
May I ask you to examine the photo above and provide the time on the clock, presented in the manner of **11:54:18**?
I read **10:50:11**
